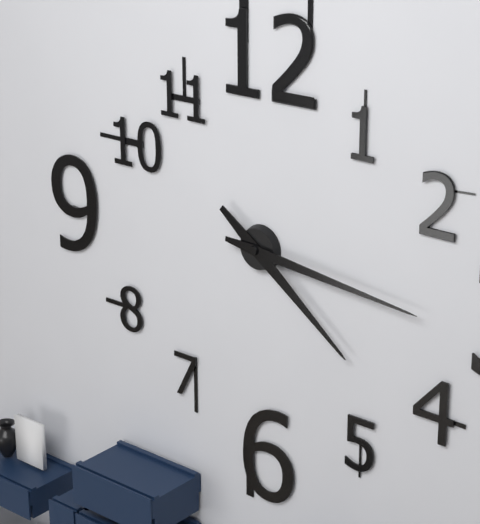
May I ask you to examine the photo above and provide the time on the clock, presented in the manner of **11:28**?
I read **4:16**
